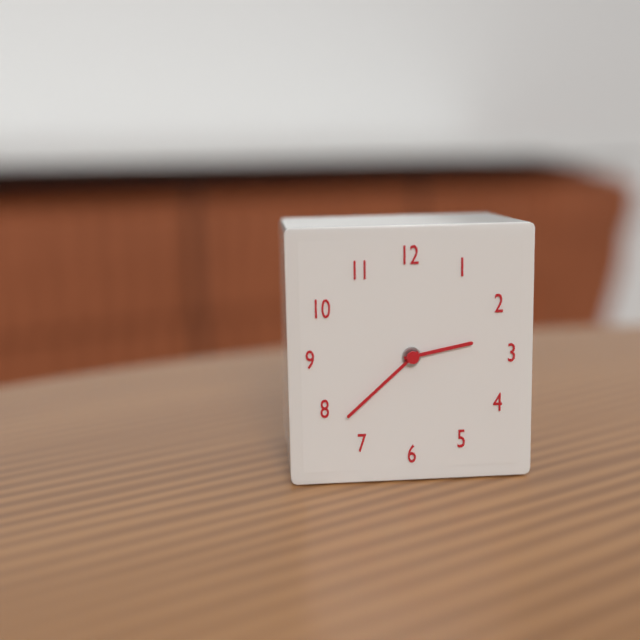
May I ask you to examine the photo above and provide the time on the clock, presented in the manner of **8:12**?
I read **2:38**
